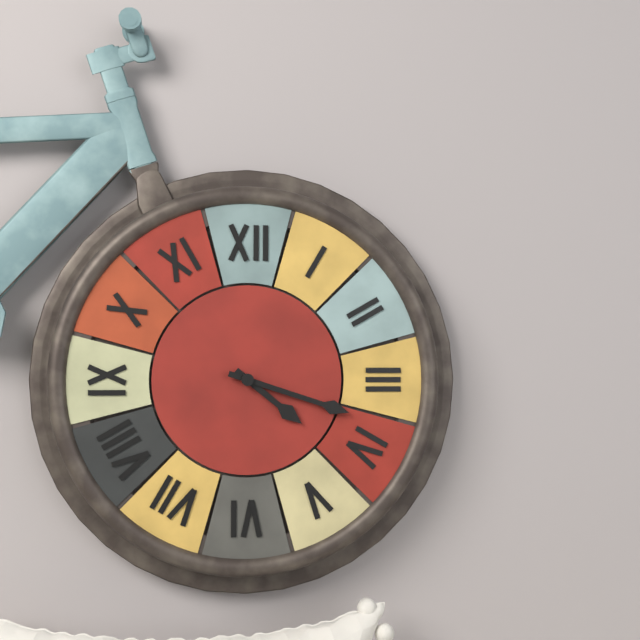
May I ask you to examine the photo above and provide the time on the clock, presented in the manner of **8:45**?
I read **4:18**
